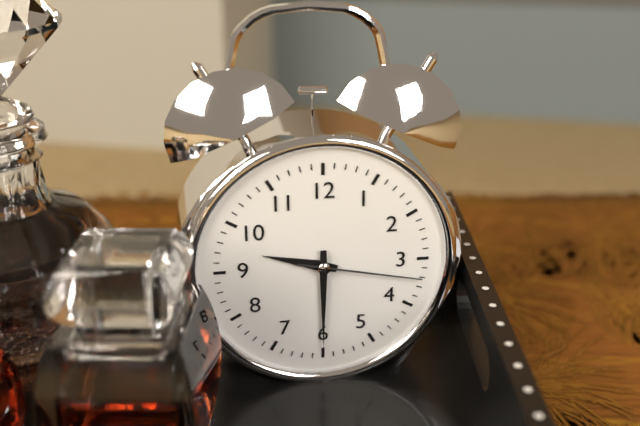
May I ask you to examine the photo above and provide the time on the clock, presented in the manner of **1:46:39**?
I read **9:30:17**
